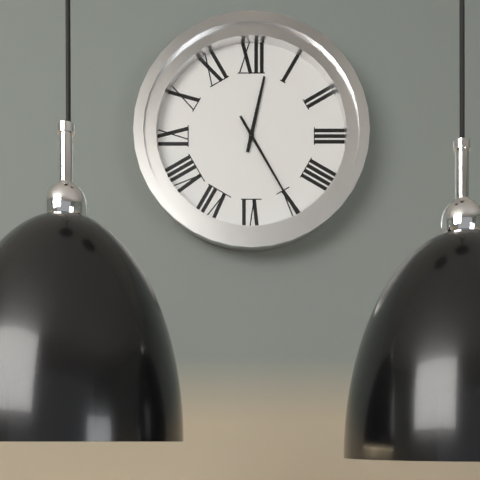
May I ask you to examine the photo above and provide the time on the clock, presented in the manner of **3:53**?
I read **12:25**
